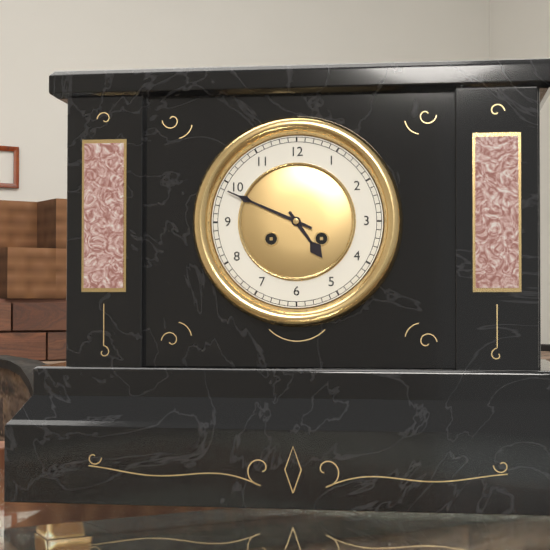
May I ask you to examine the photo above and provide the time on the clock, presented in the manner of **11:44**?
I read **4:49**
